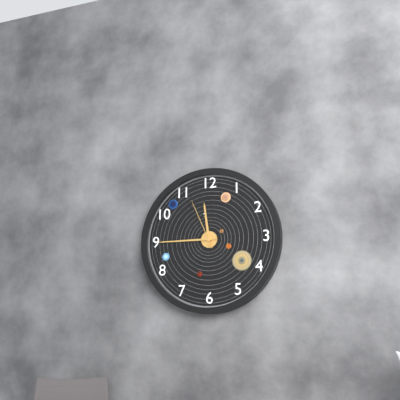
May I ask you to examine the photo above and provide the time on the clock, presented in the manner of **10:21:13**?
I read **11:45:56**
